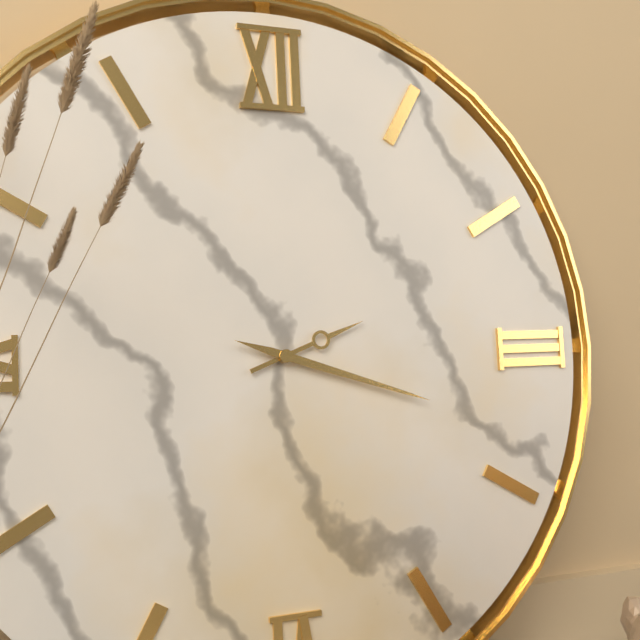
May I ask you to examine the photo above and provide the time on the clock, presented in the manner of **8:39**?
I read **2:18**
